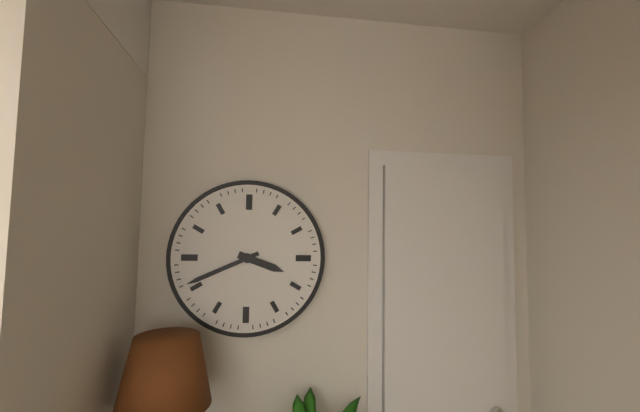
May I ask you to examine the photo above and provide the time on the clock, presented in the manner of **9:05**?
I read **3:41**
